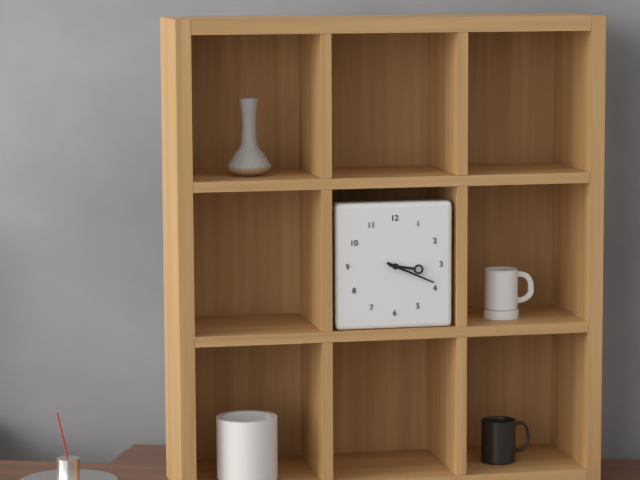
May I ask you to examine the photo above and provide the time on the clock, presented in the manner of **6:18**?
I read **3:19**
